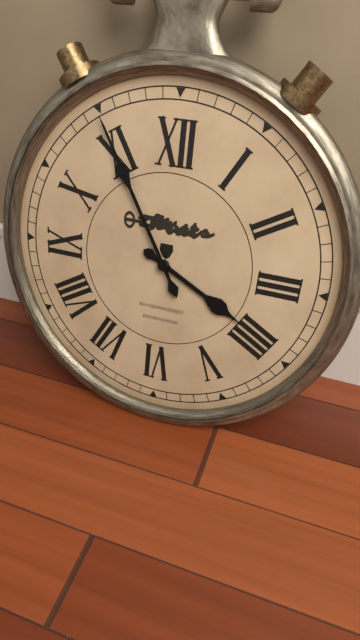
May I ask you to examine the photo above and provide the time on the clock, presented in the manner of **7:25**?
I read **3:55**
